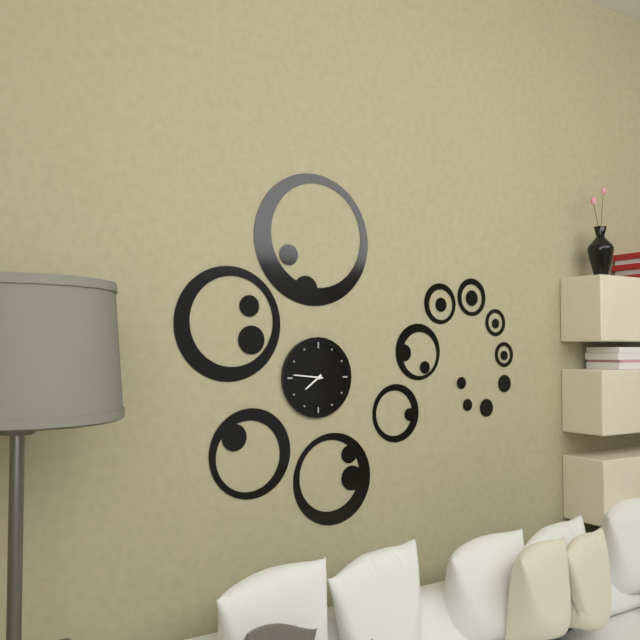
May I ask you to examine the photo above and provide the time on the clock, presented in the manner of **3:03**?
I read **7:46**
